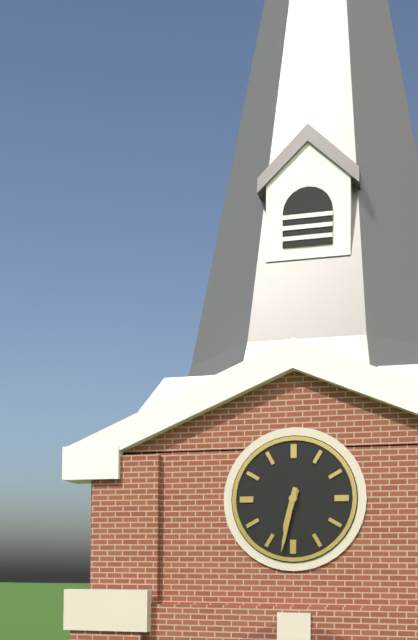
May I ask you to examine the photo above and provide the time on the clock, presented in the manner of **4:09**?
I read **6:32**
